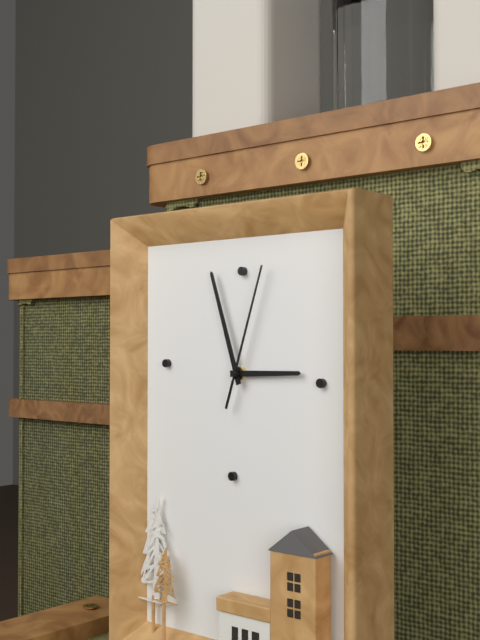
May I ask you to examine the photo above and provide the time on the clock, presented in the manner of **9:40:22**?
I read **2:57:03**
